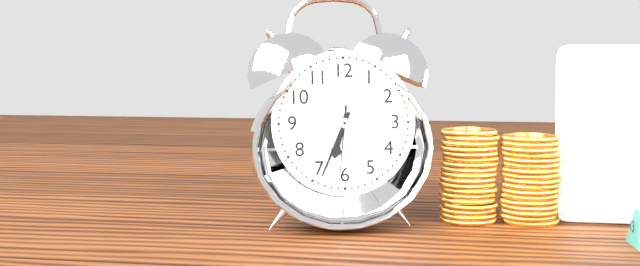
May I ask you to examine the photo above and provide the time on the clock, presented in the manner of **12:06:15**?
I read **6:34:31**
